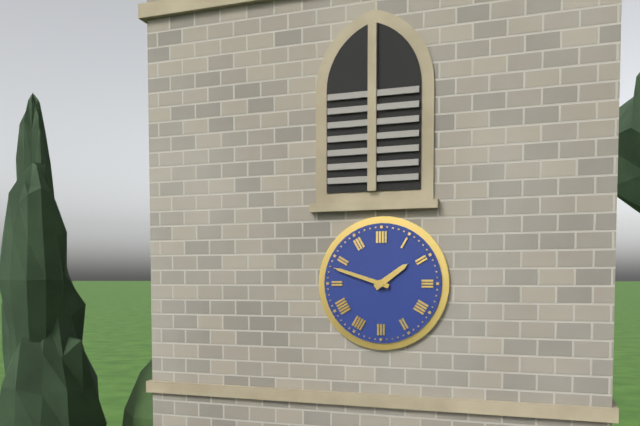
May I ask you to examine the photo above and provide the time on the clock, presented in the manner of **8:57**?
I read **1:48**
